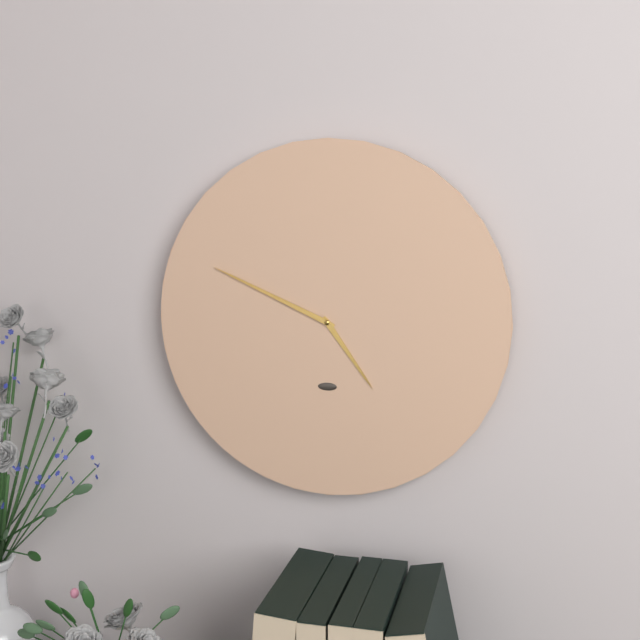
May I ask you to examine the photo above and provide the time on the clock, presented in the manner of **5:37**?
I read **4:49**
